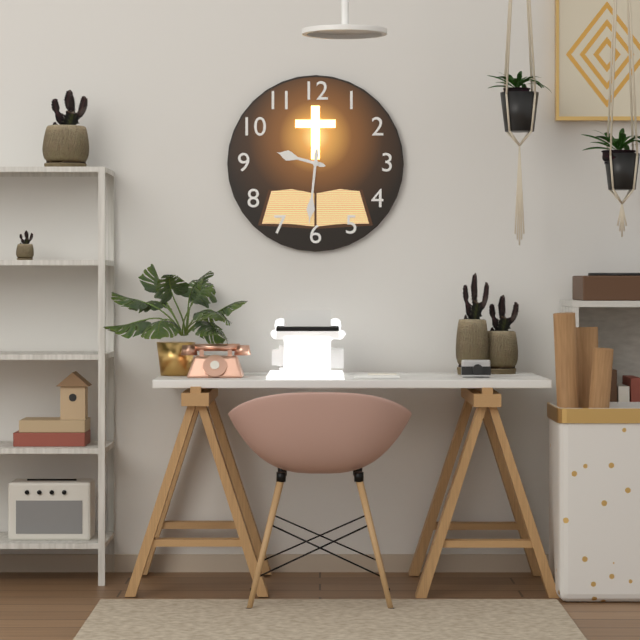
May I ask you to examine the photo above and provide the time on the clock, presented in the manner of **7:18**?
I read **9:31**
